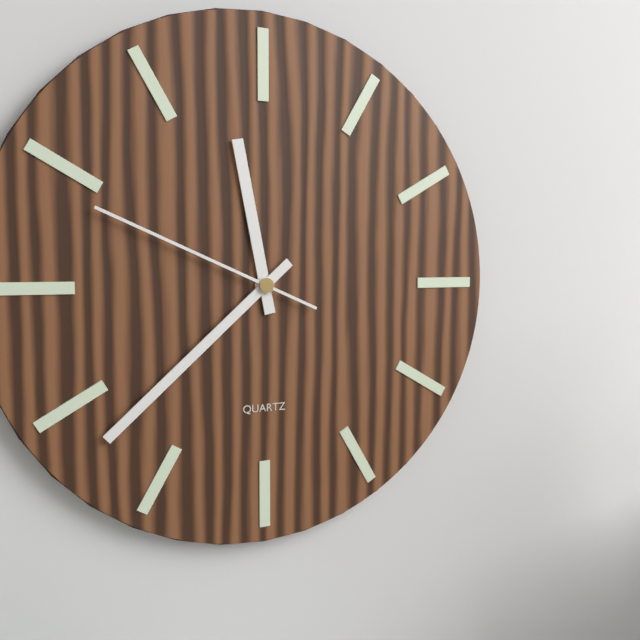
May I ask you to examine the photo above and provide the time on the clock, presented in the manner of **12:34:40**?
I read **11:38:49**
